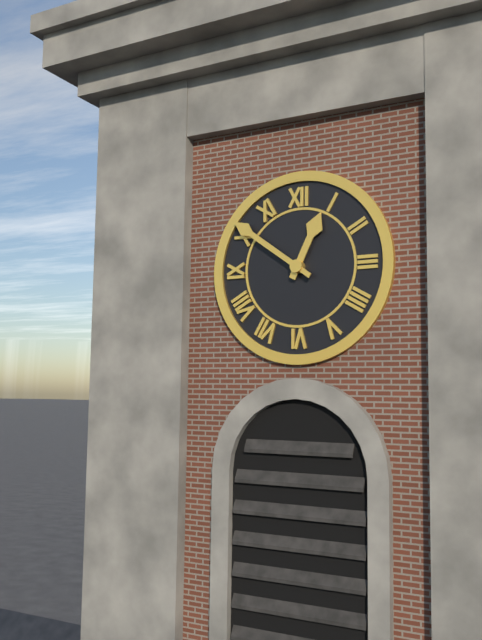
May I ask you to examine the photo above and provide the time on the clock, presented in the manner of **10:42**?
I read **12:51**
